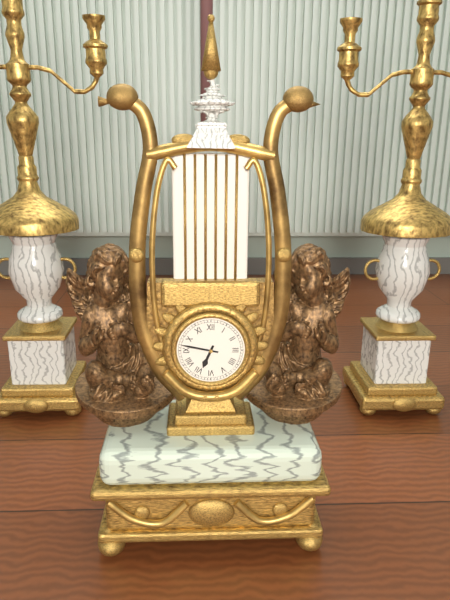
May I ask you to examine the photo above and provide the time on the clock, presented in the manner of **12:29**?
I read **6:47**
